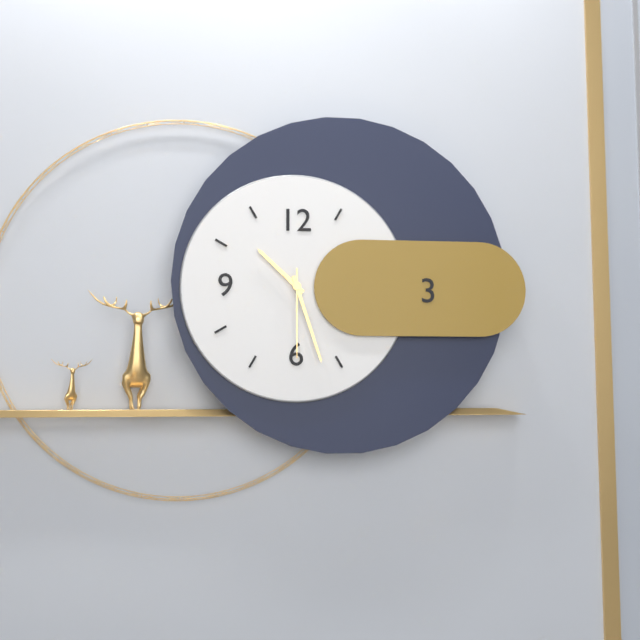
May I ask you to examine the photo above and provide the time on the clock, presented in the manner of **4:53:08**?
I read **10:27:30**
